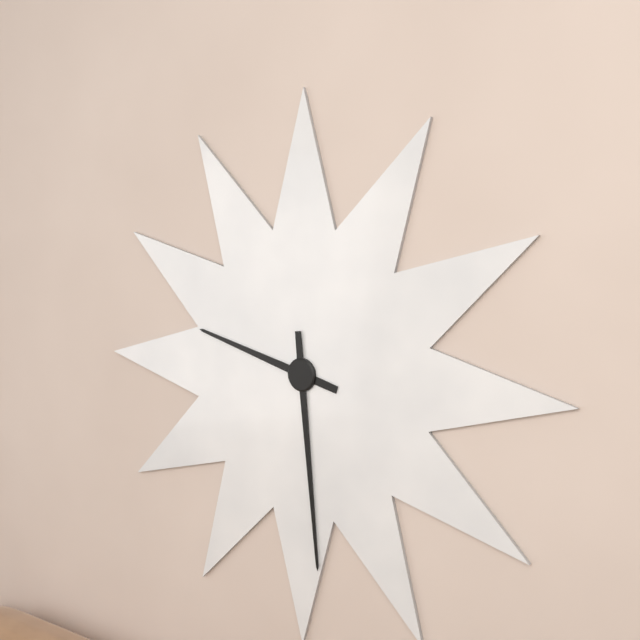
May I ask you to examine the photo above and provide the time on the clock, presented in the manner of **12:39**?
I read **9:29**
